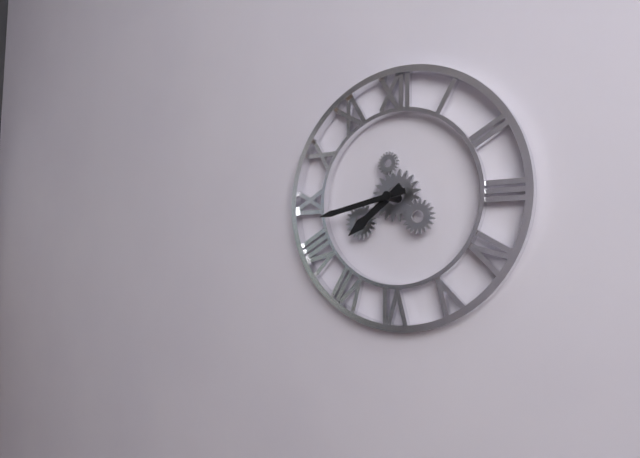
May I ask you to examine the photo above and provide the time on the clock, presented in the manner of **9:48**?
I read **7:43**
